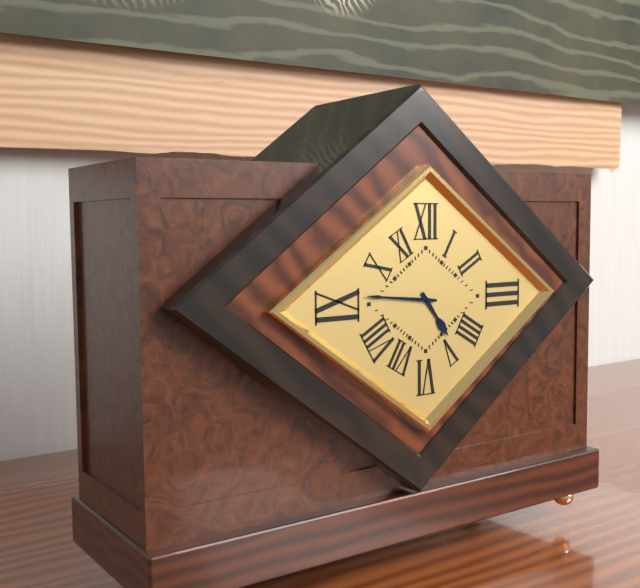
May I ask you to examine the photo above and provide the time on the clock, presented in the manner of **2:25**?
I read **4:46**
